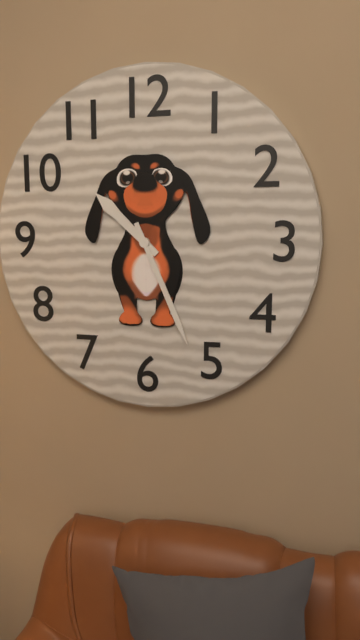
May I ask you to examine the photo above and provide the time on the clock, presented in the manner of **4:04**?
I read **10:26**
